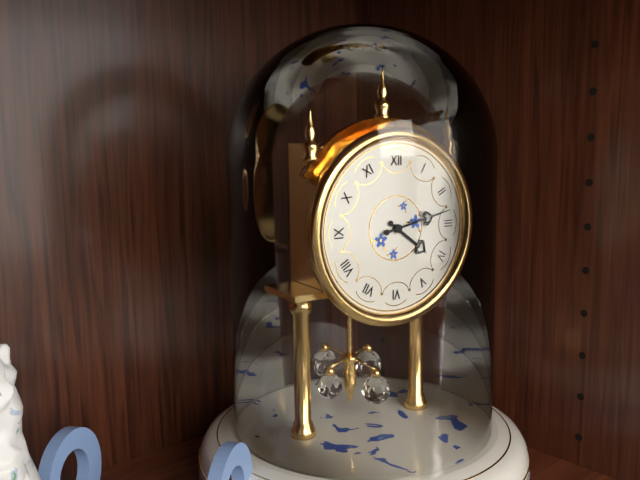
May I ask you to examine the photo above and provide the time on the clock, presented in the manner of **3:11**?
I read **4:13**
